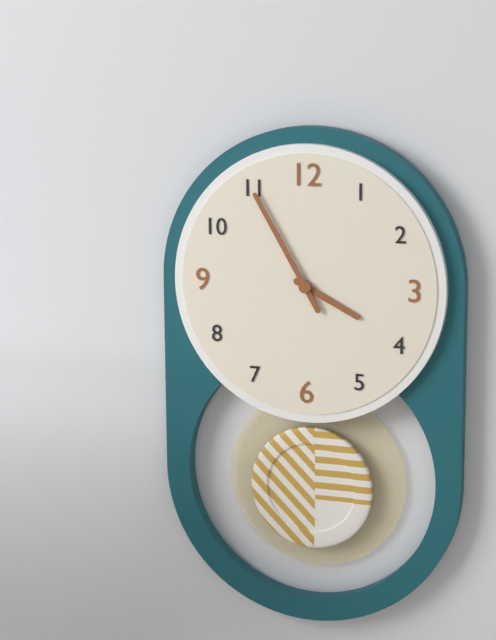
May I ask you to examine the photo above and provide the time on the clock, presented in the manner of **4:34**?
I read **3:55**
